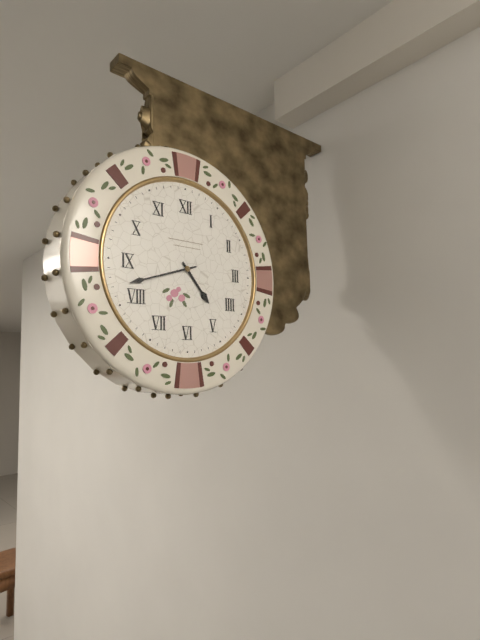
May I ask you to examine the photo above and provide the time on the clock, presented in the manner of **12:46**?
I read **4:42**
